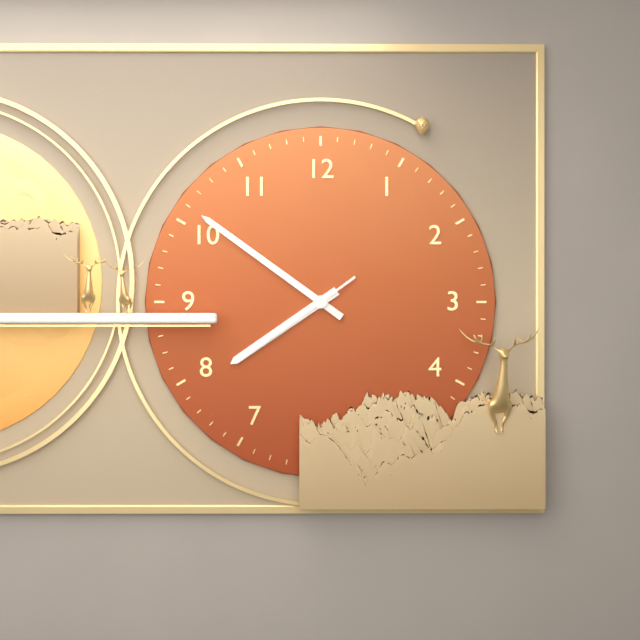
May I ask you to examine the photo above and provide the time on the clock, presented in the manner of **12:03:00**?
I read **7:51:39**
